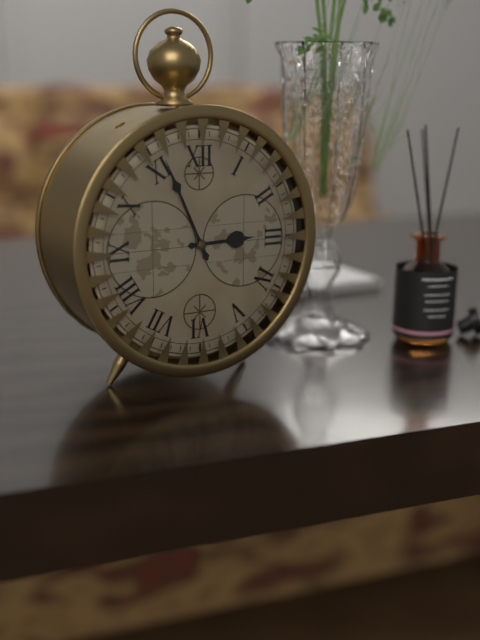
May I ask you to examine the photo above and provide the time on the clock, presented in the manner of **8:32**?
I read **2:56**
